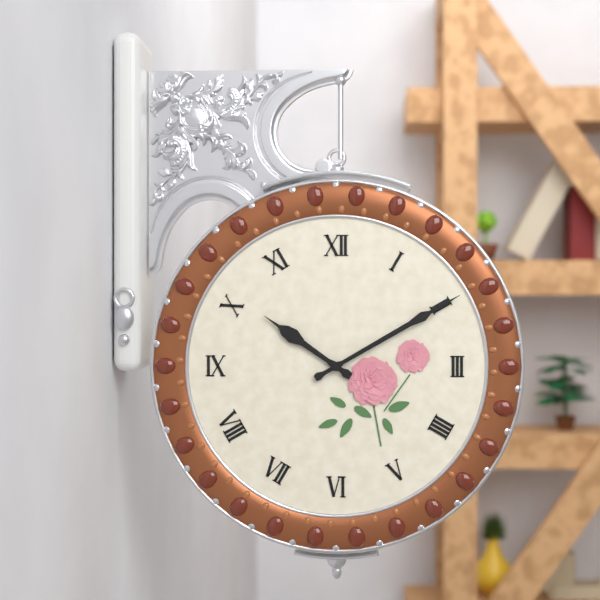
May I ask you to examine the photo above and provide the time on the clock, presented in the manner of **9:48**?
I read **10:10**
